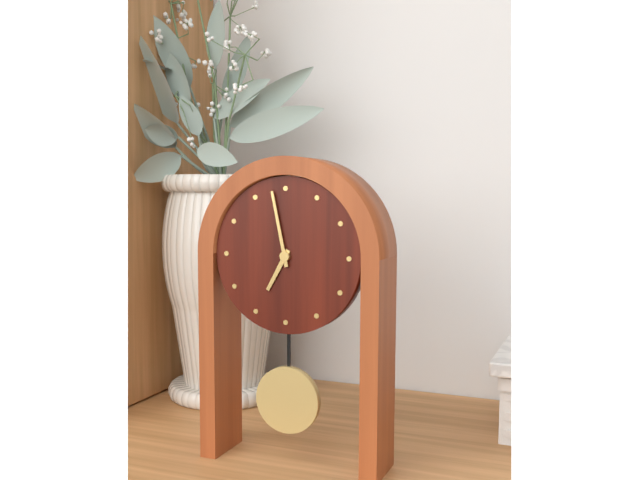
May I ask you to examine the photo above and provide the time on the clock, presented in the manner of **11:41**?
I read **6:58**
